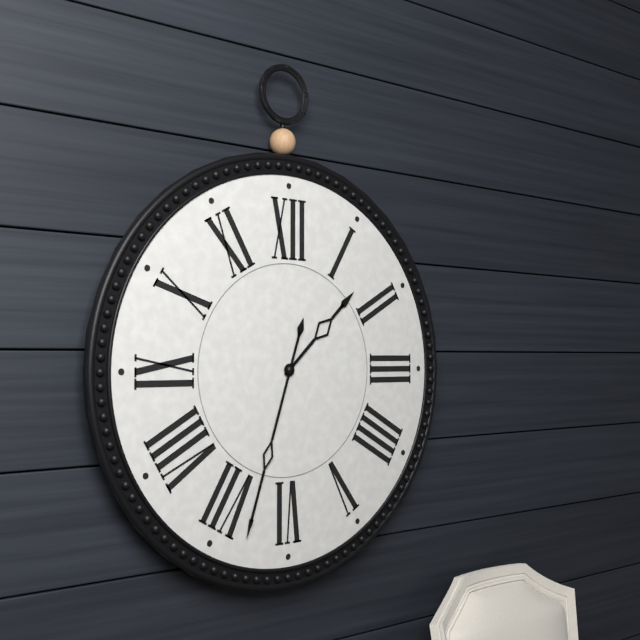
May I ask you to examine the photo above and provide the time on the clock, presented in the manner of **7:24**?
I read **1:33**
